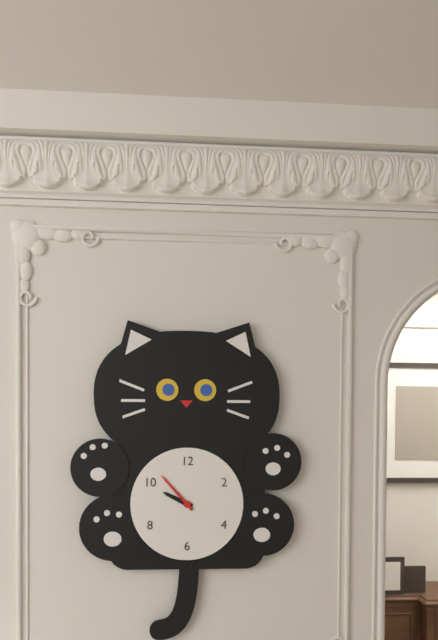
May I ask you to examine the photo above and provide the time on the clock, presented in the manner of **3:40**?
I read **9:53**
